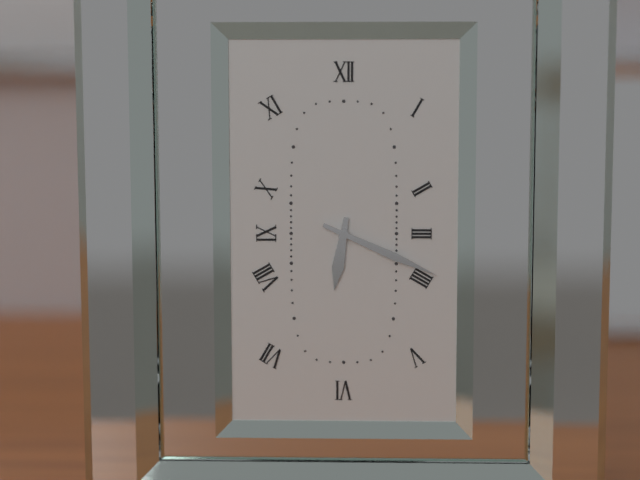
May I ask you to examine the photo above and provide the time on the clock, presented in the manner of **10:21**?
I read **6:19**
